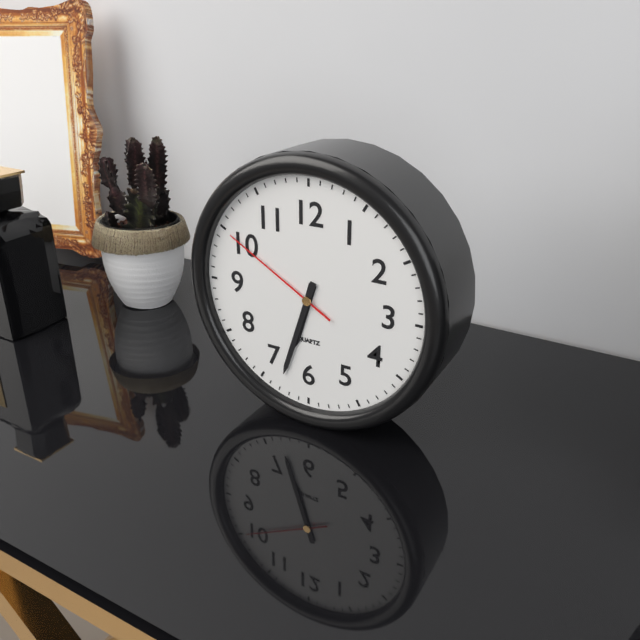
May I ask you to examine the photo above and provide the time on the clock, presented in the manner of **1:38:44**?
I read **6:33:50**
